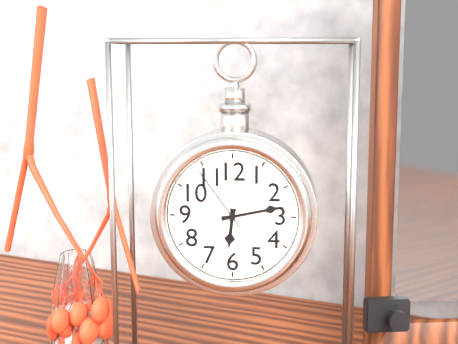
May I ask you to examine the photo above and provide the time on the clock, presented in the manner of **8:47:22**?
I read **6:13:54**
